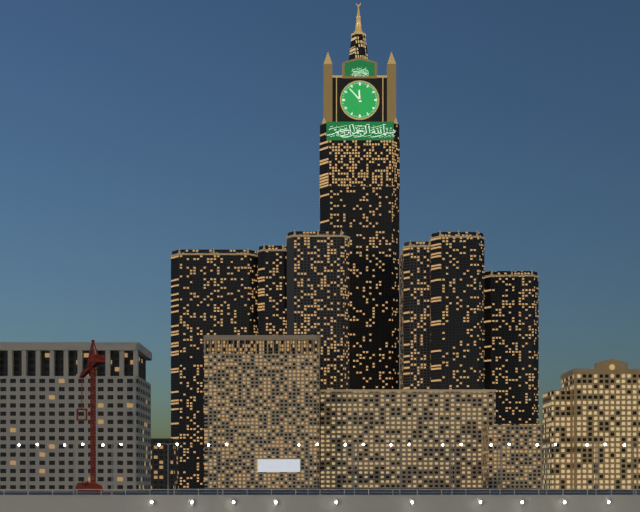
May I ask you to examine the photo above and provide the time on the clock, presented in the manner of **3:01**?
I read **11:53**
